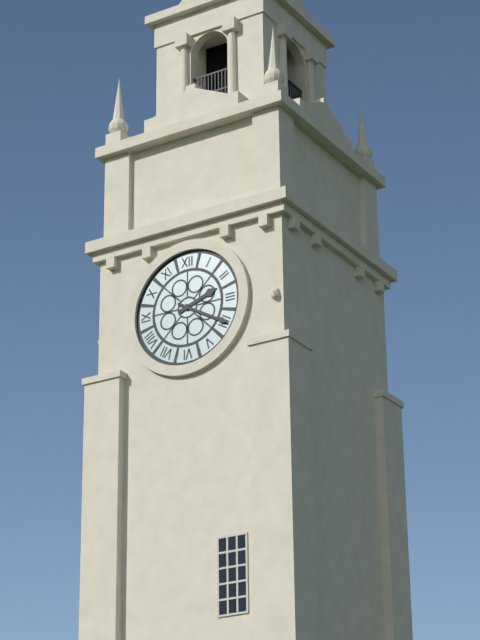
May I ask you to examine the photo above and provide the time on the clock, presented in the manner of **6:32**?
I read **2:20**
